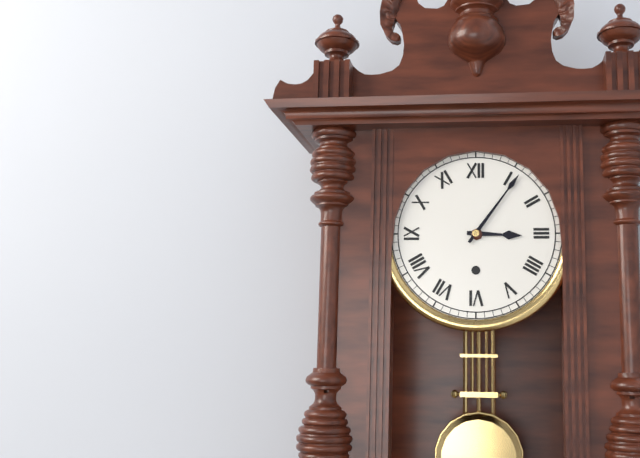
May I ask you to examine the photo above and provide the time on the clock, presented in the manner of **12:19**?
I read **3:06**
